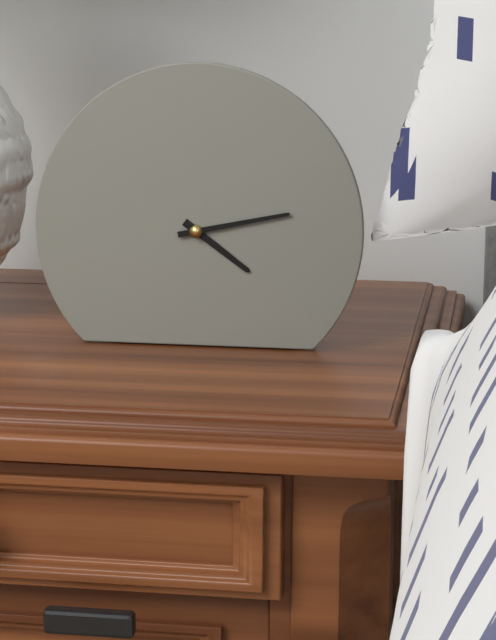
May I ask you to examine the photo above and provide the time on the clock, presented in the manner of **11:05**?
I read **4:13**
